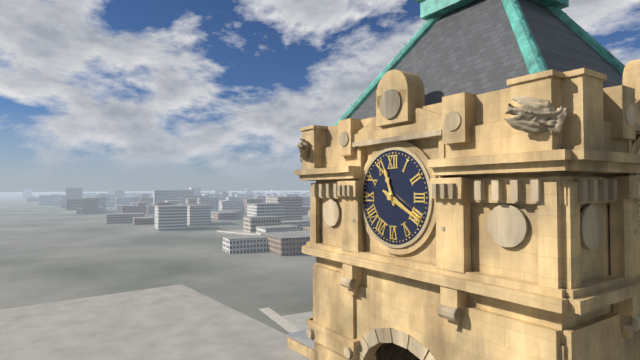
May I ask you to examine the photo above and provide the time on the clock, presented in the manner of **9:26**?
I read **11:20**
